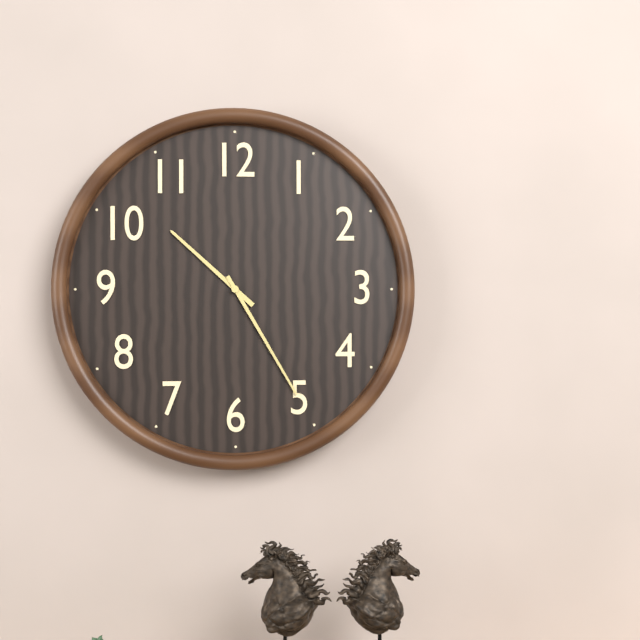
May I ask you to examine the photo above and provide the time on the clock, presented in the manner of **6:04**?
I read **10:25**
